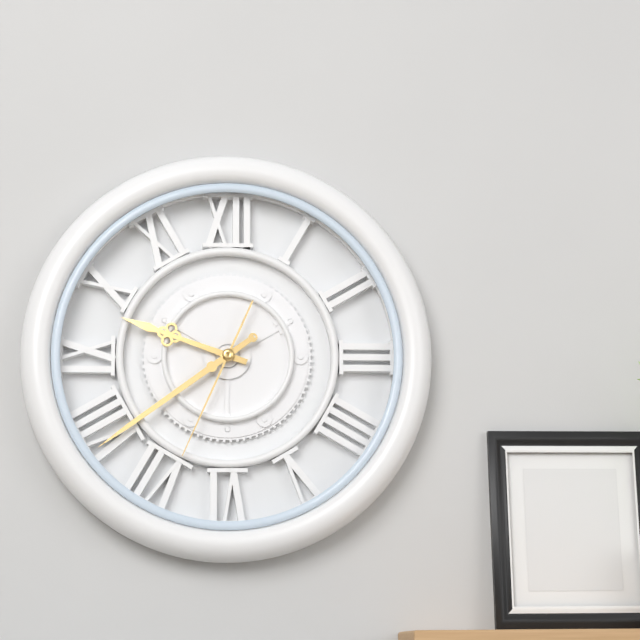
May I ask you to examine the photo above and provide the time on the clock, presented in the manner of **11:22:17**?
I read **9:39:34**
